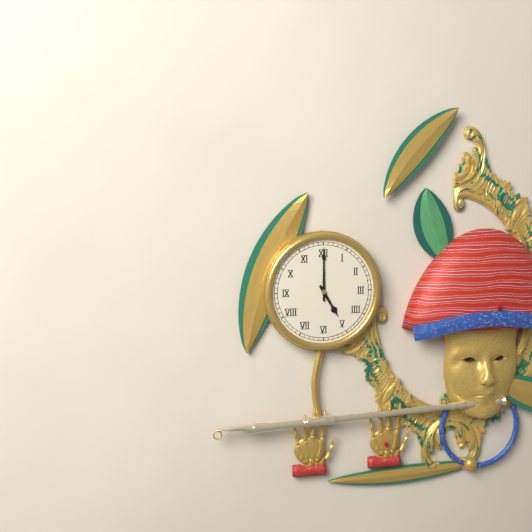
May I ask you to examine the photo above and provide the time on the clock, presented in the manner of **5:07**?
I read **5:00**
